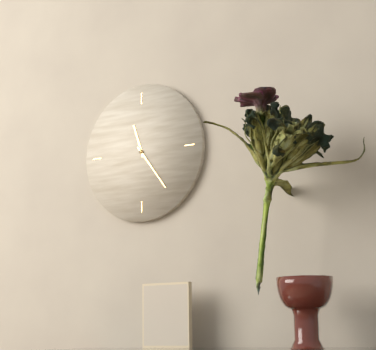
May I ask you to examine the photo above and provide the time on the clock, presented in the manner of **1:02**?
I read **11:24**
